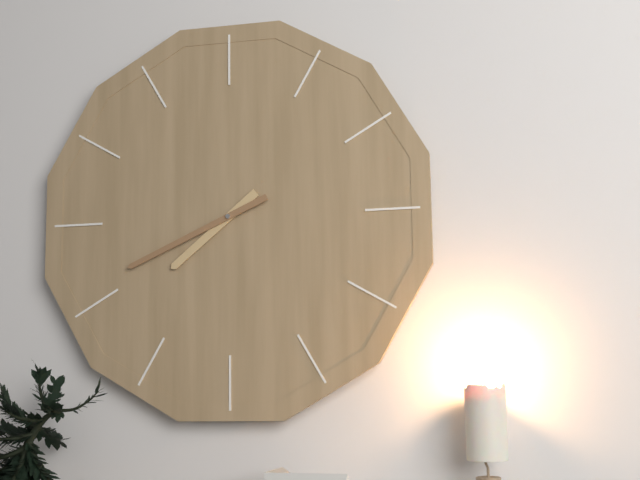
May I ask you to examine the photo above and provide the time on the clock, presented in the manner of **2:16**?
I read **7:41**
